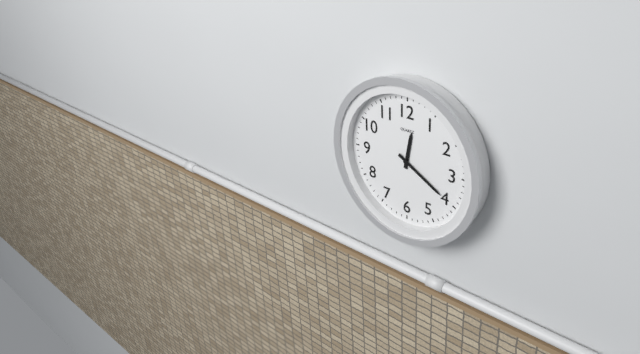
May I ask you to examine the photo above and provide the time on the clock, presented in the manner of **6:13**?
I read **12:20**
